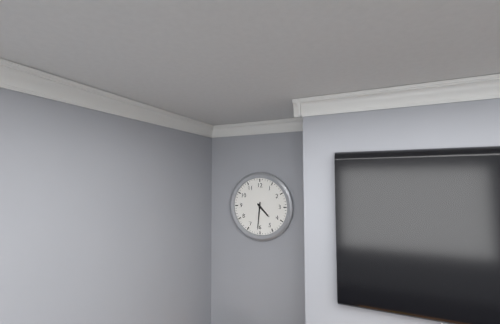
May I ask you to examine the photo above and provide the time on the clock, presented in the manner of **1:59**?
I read **4:31**
